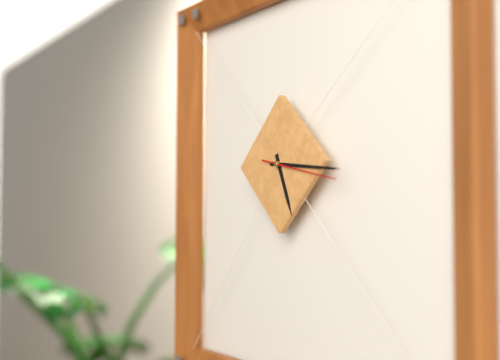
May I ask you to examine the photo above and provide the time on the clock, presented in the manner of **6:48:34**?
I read **5:16:17**
